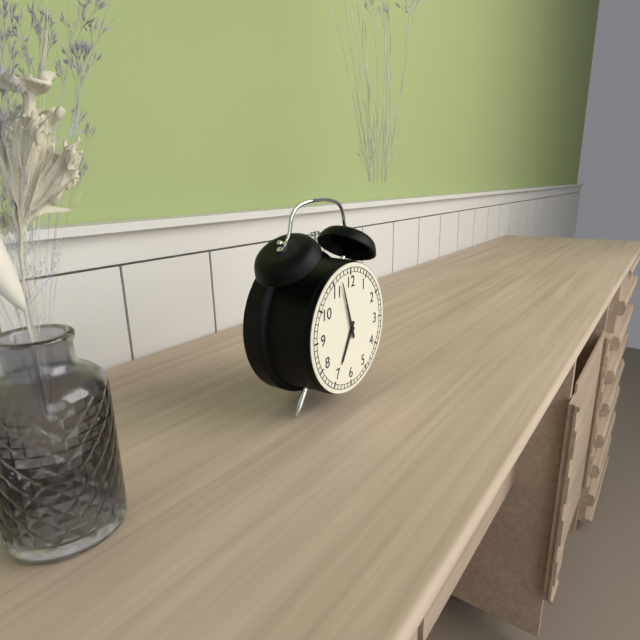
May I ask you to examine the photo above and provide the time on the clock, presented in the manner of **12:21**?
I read **6:57**
